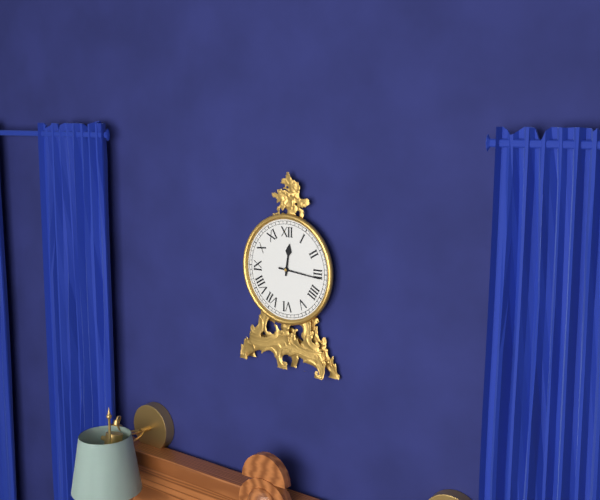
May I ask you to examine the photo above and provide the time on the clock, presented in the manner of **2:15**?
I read **12:16**
